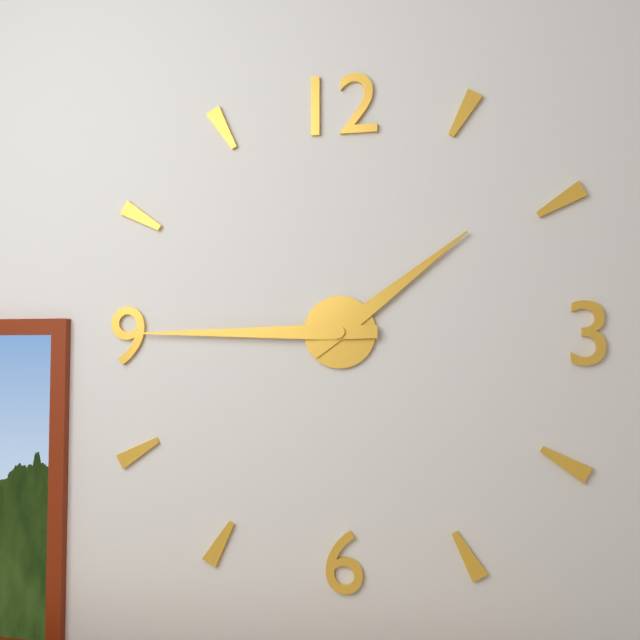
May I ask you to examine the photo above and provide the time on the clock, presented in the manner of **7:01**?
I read **1:45**
